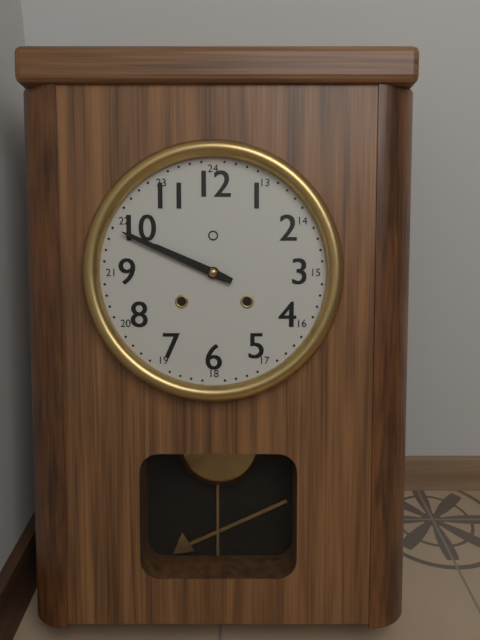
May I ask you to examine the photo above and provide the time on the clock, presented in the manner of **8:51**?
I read **9:49**
